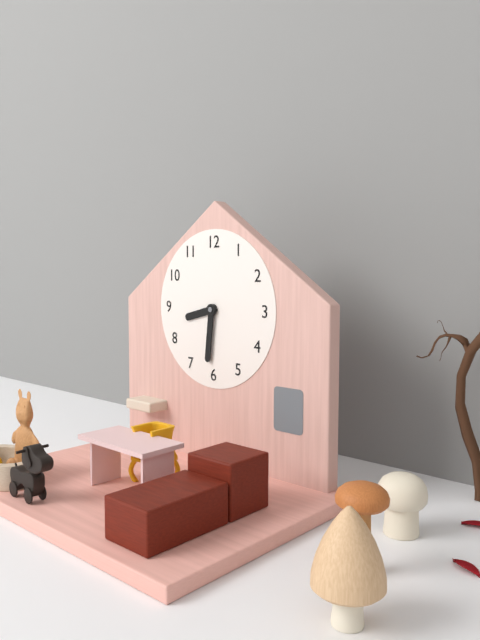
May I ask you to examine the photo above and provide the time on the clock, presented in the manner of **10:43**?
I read **8:31**
